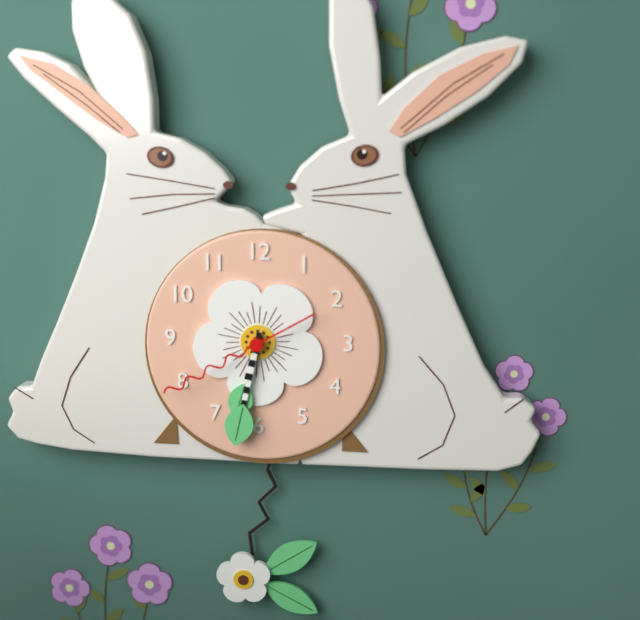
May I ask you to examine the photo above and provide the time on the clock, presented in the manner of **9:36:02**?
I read **6:32:40**
